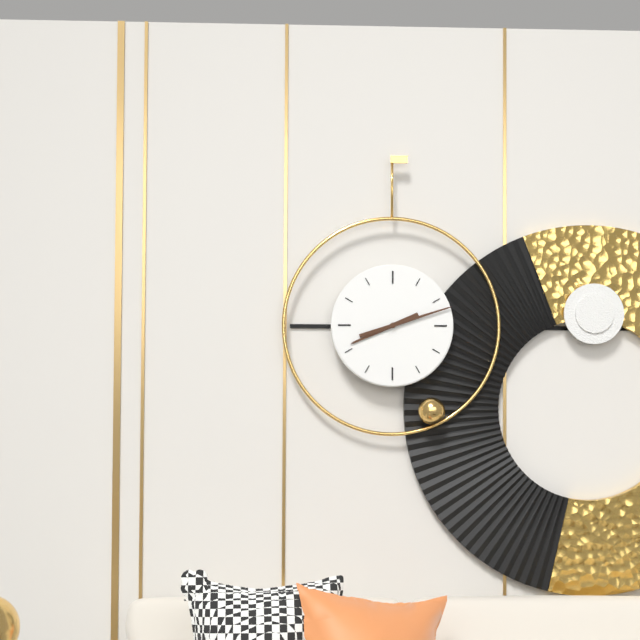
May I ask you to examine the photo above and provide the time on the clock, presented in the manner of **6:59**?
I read **8:12**
